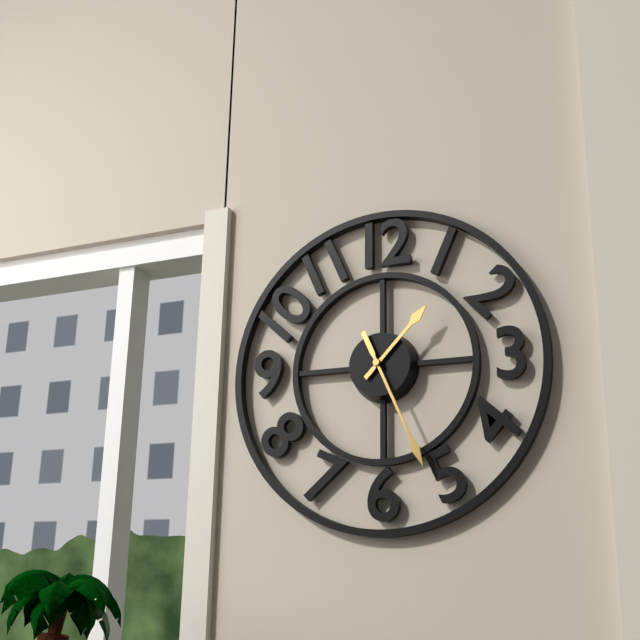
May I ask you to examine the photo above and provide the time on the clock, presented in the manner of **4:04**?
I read **1:26**
